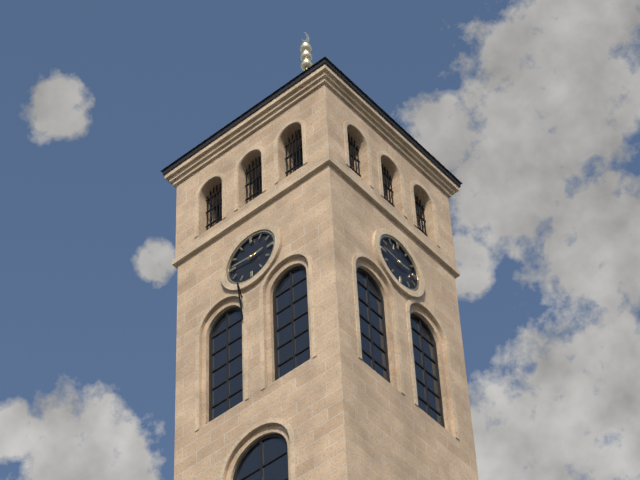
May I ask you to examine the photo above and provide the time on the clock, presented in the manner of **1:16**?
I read **2:46**
